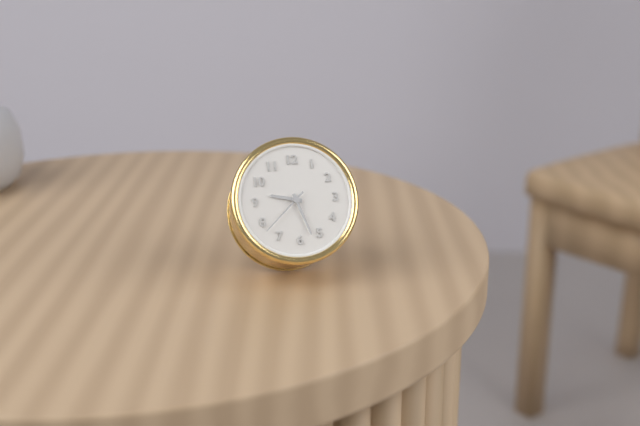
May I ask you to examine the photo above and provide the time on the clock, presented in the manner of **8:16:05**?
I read **9:27:38**
